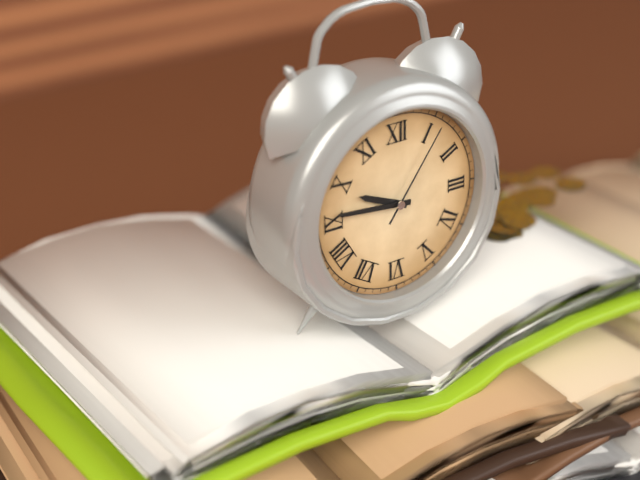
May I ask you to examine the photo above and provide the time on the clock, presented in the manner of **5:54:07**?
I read **9:46:06**
